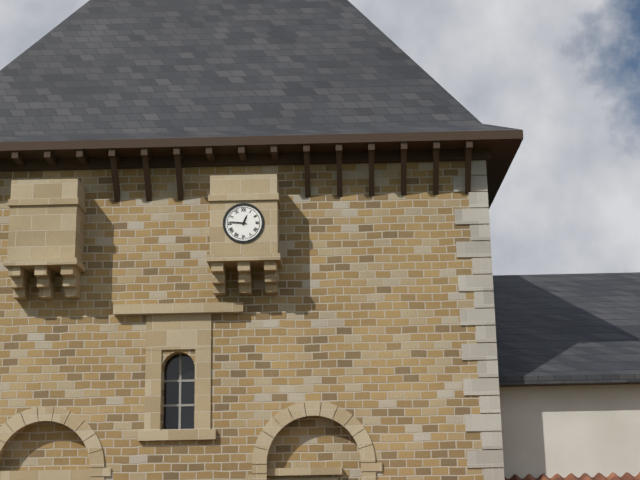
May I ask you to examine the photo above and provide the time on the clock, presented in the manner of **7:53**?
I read **12:46**
